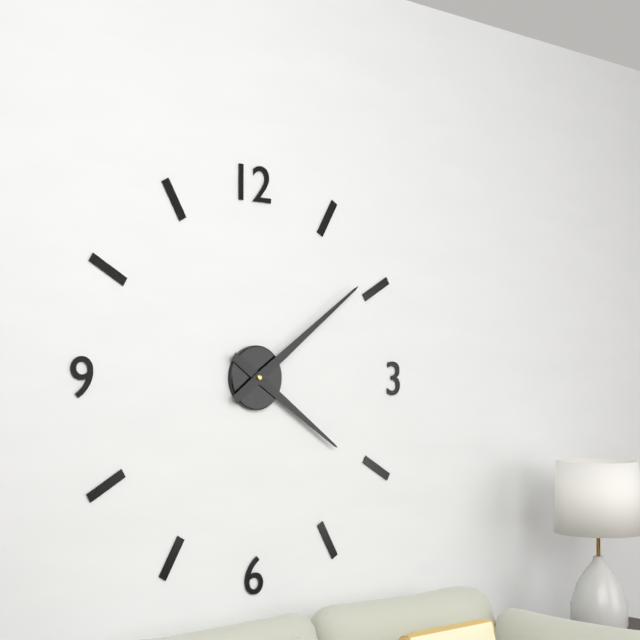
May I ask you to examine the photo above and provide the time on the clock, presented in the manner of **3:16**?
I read **4:09**
